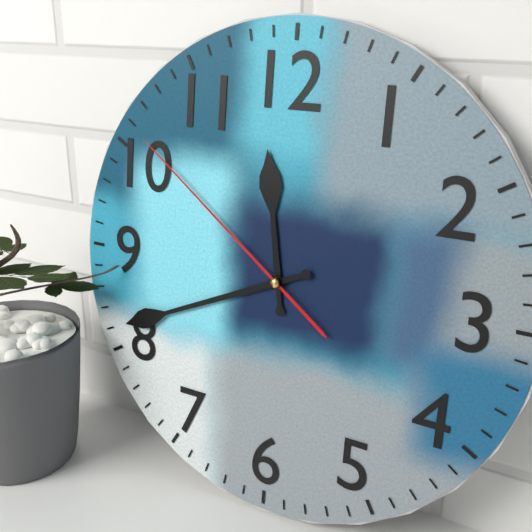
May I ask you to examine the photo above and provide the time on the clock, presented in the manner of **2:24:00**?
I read **11:41:51**
